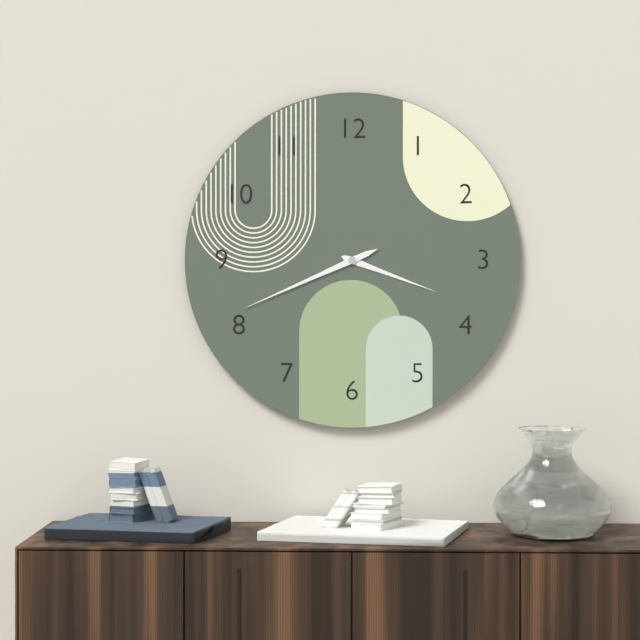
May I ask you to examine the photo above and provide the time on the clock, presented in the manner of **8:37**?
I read **3:41**
